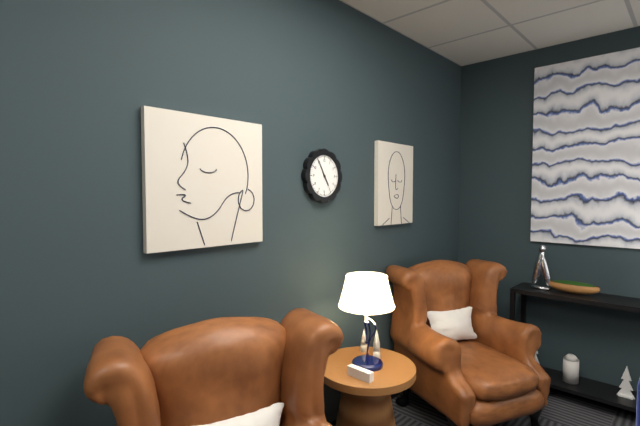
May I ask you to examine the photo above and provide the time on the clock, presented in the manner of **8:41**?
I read **4:55**
